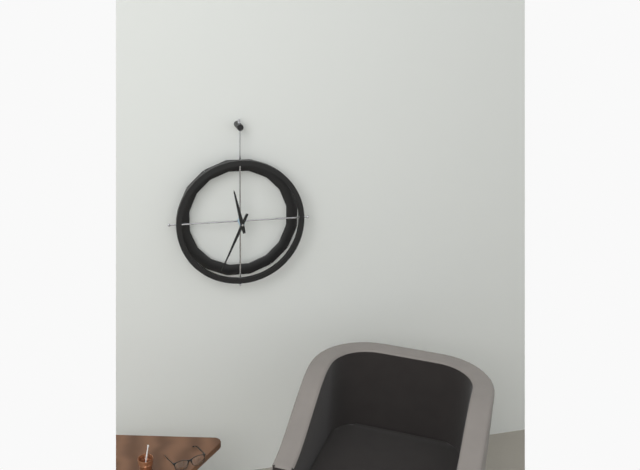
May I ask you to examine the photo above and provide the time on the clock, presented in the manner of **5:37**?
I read **11:34**
